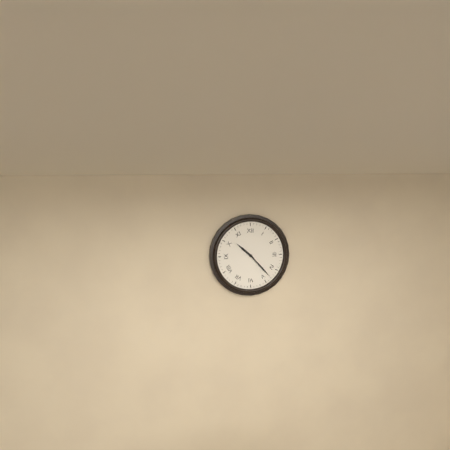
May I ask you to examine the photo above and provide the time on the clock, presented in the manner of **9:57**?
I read **10:23**
